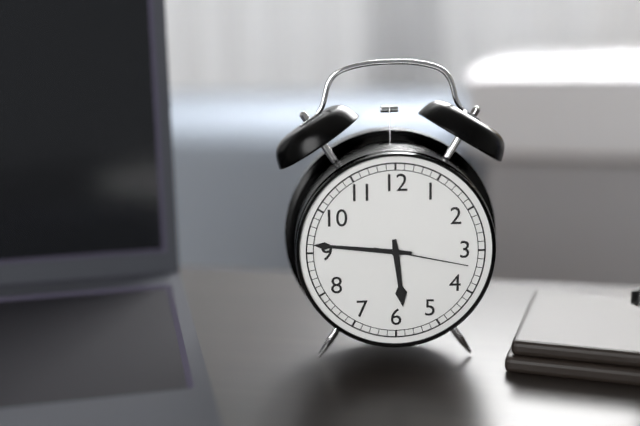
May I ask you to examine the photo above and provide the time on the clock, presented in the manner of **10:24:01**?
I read **5:46:17**
